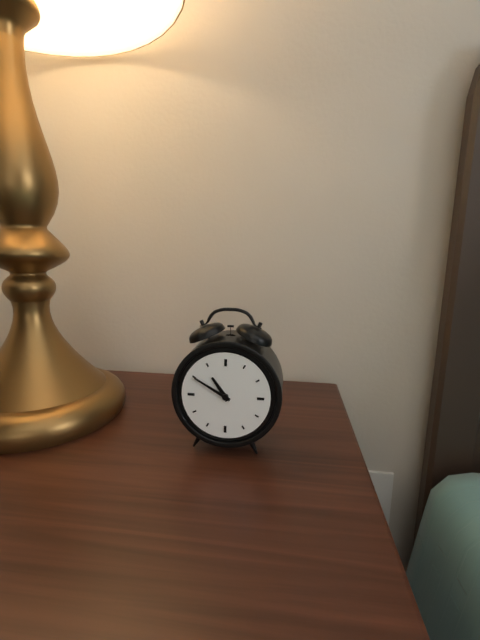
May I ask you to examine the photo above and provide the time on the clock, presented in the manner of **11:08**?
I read **10:50**
